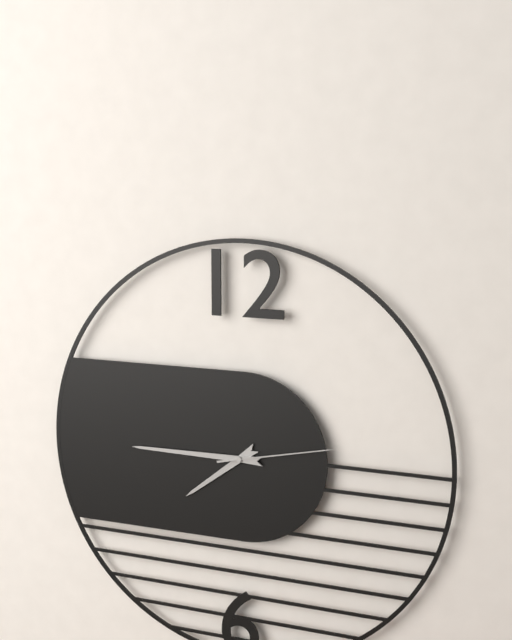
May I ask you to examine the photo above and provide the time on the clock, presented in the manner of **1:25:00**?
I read **7:45:13**
